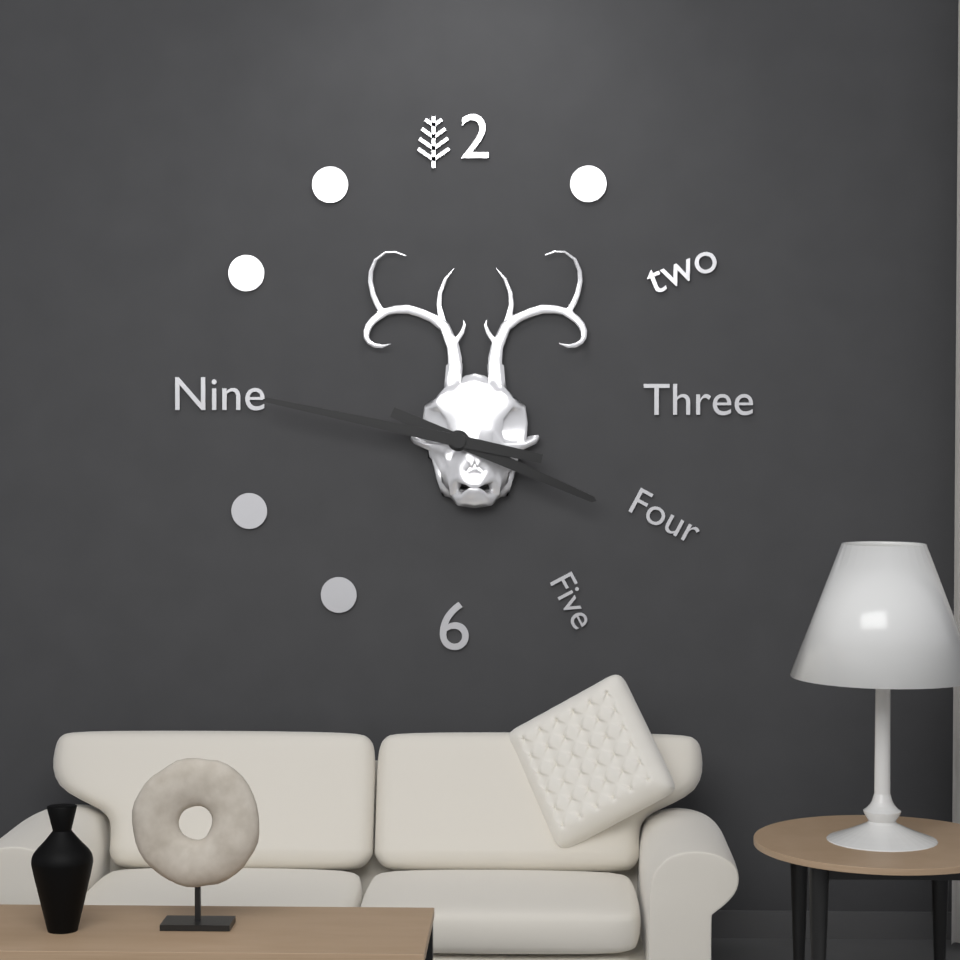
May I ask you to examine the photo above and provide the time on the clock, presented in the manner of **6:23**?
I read **3:47**
